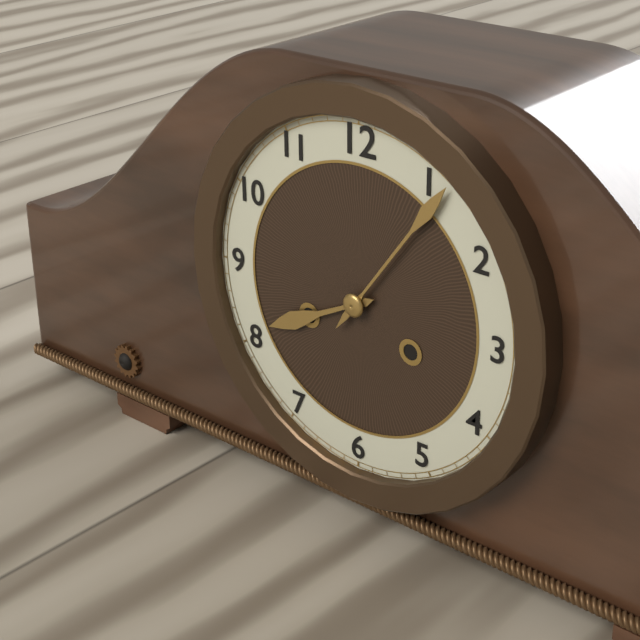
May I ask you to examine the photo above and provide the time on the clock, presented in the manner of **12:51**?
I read **8:06**
